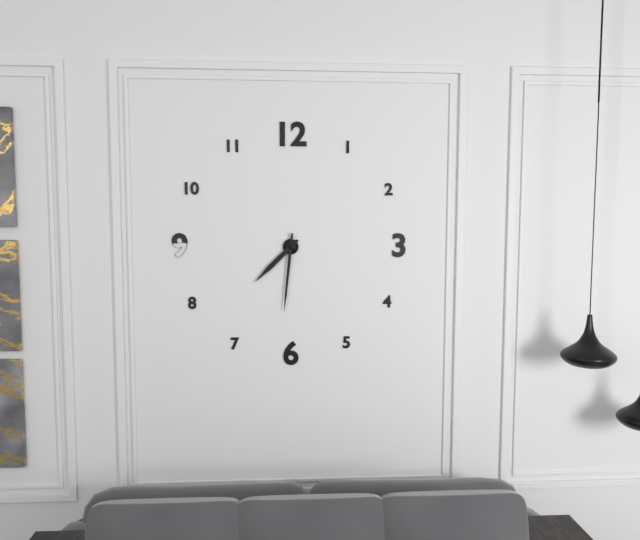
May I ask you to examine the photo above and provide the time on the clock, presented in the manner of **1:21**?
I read **7:31**
